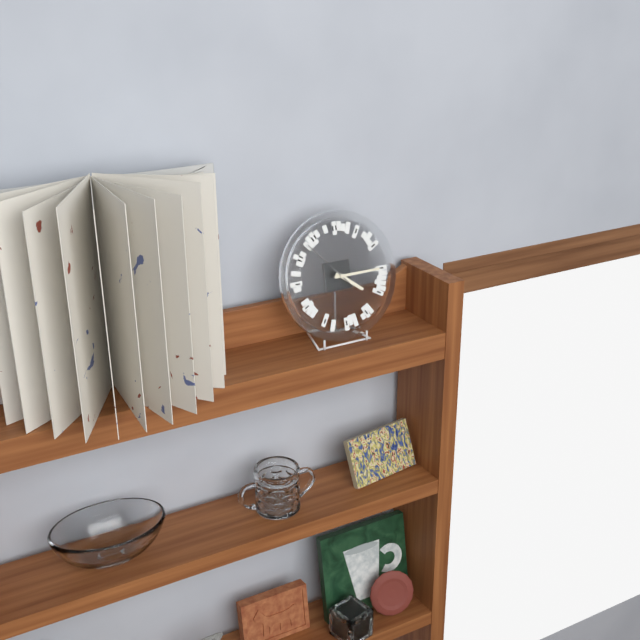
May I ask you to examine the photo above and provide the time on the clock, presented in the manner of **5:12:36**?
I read **4:15:53**
